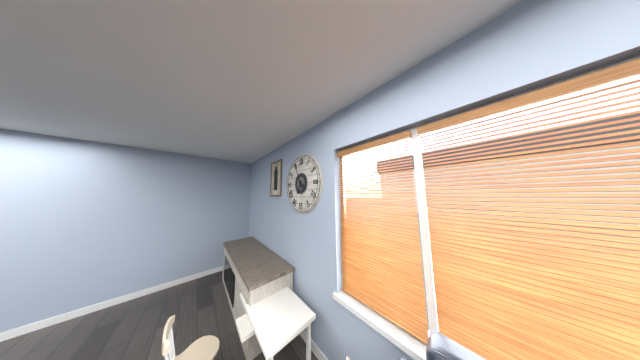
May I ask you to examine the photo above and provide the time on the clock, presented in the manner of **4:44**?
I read **6:56**
